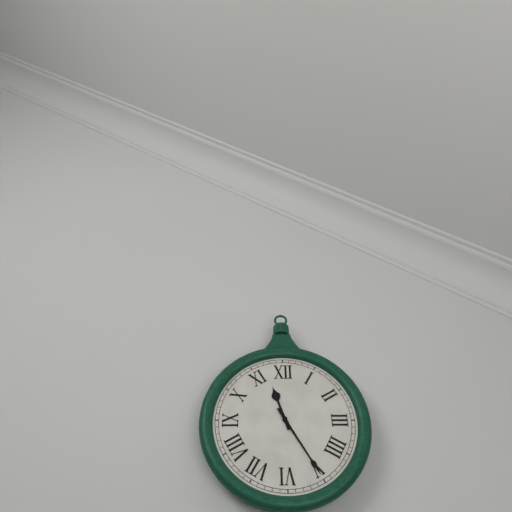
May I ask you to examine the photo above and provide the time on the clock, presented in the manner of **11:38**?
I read **11:25**
